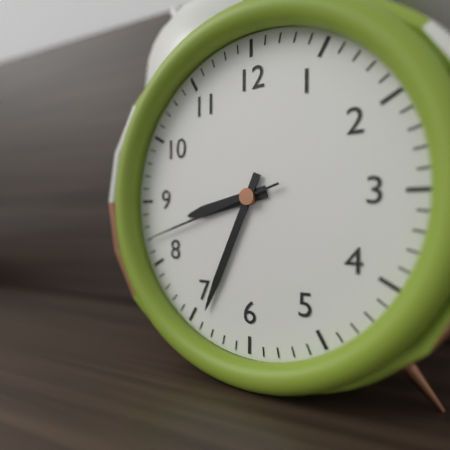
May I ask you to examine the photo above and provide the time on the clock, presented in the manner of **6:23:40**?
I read **8:34:42**
